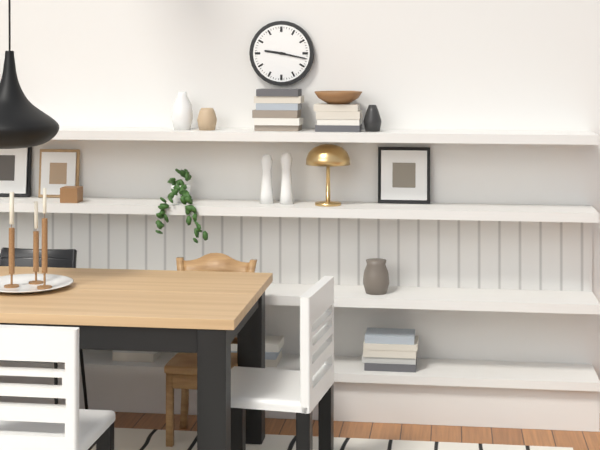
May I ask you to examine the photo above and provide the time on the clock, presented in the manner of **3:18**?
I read **9:17**
